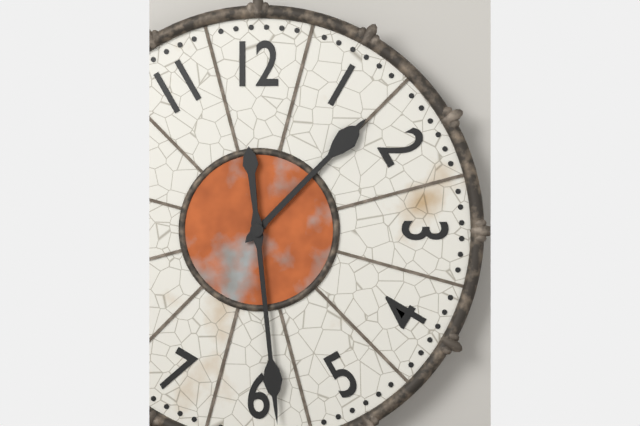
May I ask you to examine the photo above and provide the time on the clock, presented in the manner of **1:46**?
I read **1:29**
